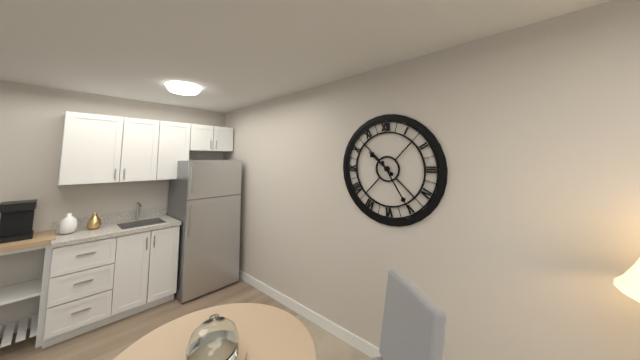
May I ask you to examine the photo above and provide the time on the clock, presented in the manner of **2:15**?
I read **10:25**
